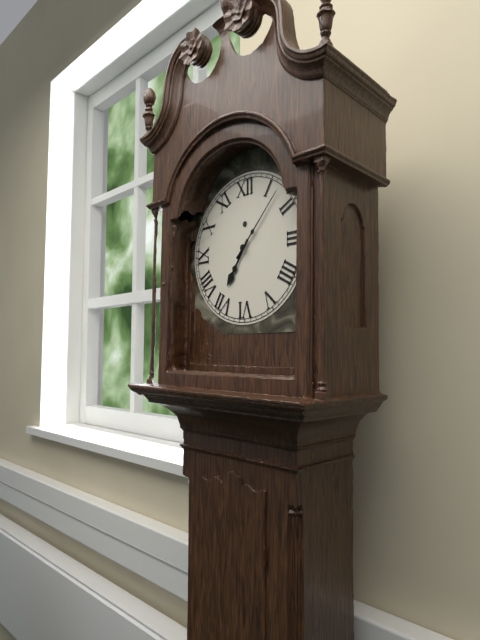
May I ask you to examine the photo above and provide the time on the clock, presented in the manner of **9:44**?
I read **7:07**
